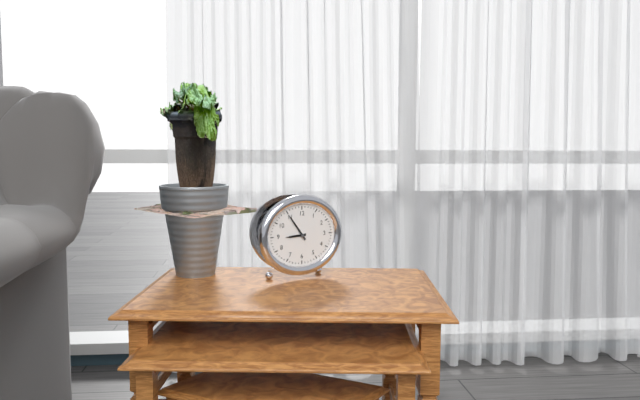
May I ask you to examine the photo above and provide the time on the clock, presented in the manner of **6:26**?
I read **8:54**
